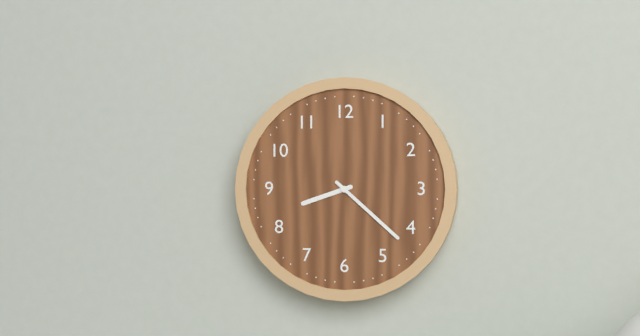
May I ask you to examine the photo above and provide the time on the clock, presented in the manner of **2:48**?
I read **8:22**
